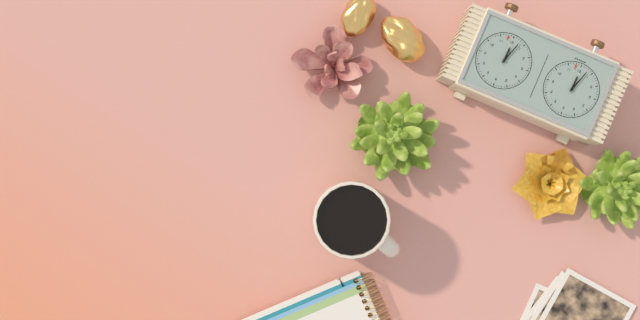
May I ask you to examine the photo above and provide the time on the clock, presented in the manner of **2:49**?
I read **12:03**
